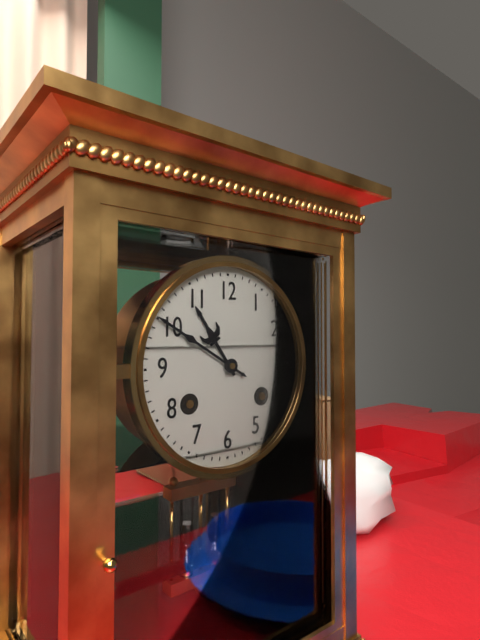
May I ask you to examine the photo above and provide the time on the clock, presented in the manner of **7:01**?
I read **10:50**
